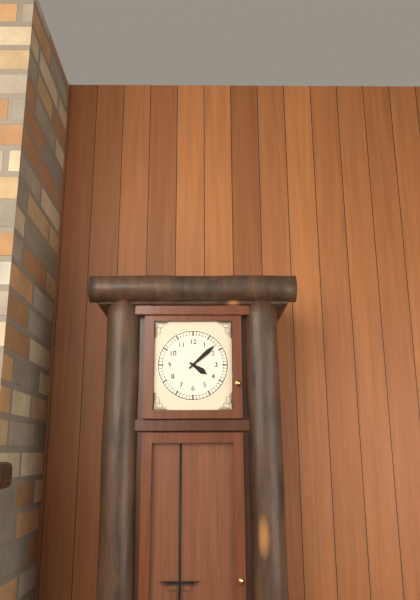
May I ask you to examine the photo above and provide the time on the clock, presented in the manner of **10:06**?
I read **4:08**
